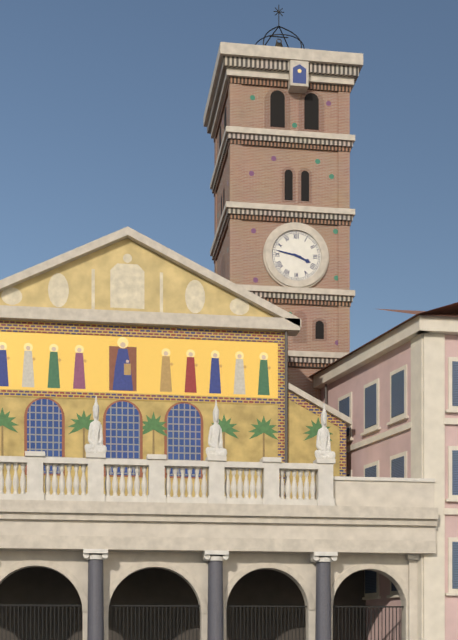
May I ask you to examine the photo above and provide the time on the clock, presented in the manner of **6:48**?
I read **3:47**
